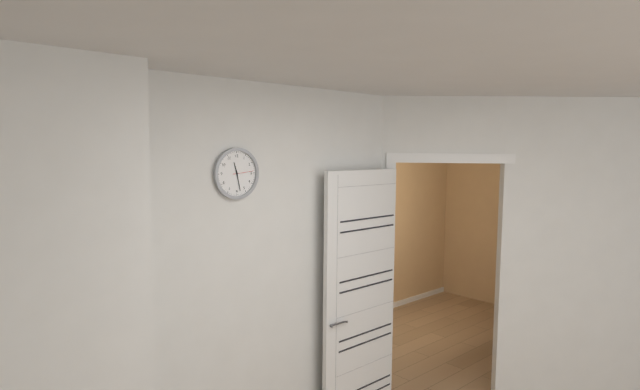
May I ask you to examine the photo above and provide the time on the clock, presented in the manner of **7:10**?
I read **11:28**
